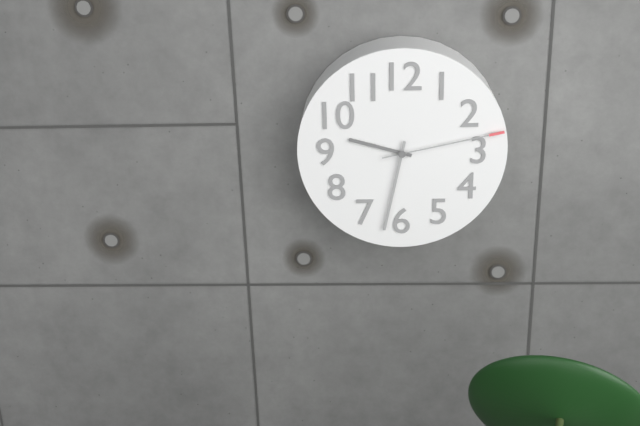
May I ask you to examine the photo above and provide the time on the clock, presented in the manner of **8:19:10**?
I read **9:32:13**
